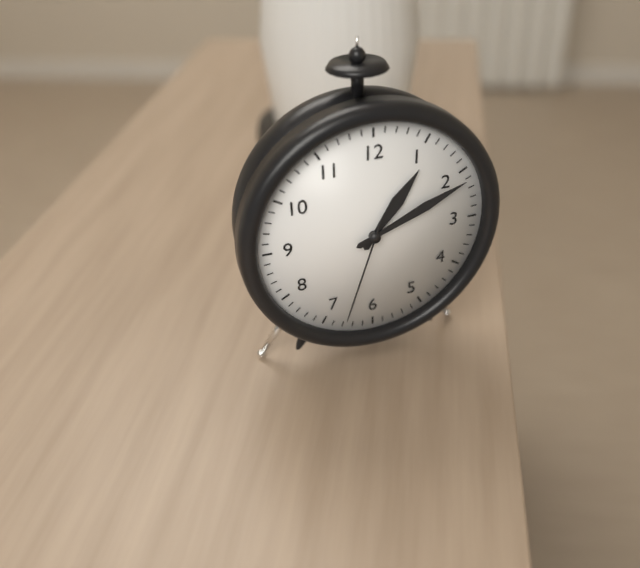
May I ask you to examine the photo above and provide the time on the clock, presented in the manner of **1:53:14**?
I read **1:11:33**
